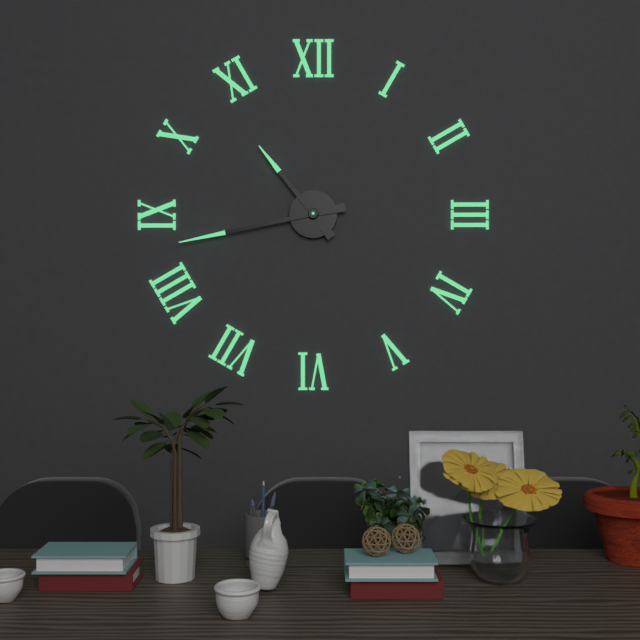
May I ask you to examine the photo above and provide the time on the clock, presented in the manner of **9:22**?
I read **10:43**
